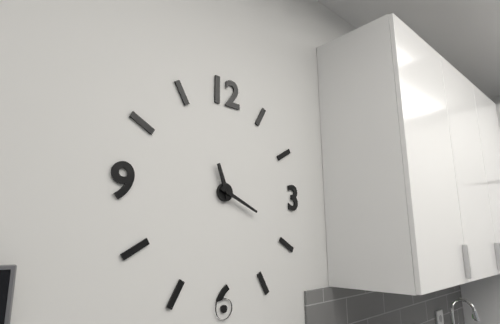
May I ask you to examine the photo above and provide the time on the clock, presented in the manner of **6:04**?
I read **11:19**
